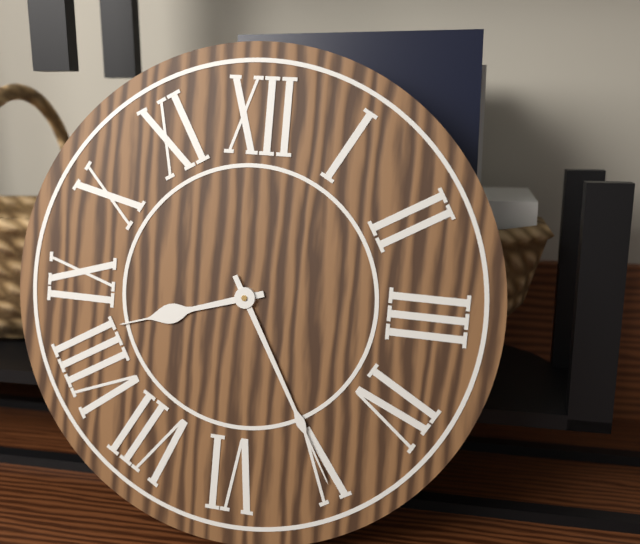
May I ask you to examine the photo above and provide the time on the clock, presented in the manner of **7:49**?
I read **8:25**
